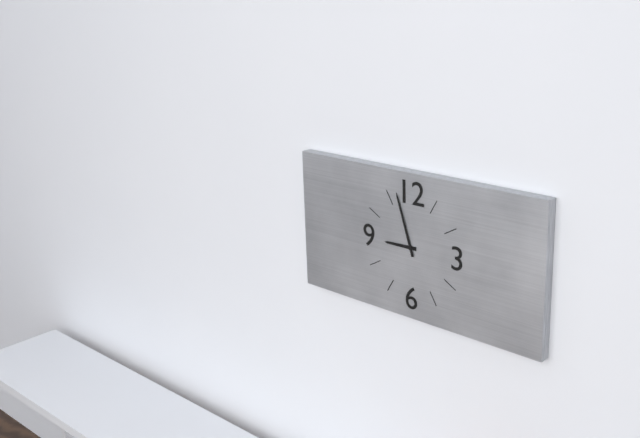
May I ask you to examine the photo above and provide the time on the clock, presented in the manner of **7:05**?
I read **8:57**
